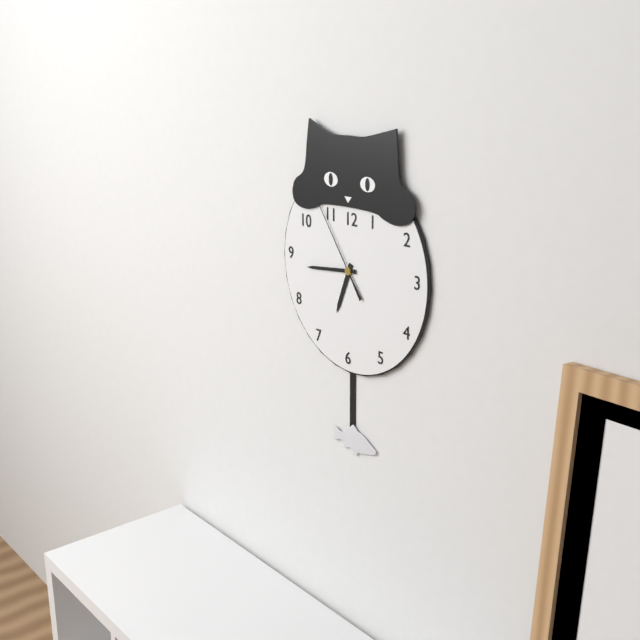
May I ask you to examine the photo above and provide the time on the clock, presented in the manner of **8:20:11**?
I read **6:44:54**
